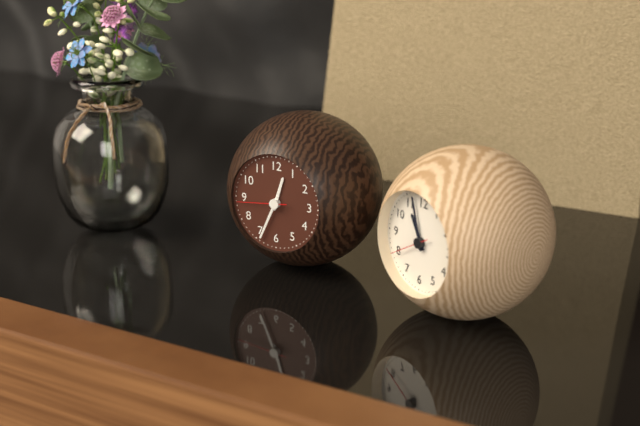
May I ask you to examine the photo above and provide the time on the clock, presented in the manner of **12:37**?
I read **12:34**
